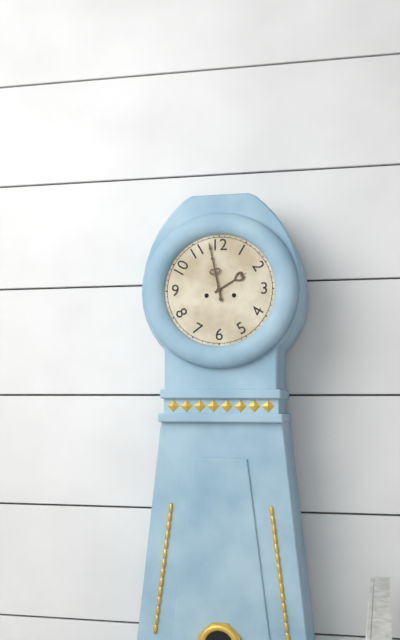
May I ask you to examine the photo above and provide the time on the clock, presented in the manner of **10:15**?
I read **1:58**
